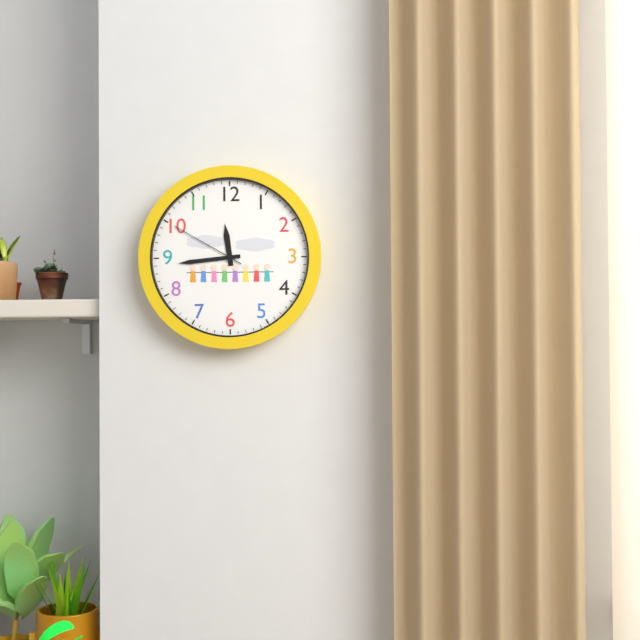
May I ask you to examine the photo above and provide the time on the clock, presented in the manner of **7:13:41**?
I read **11:44:50**
